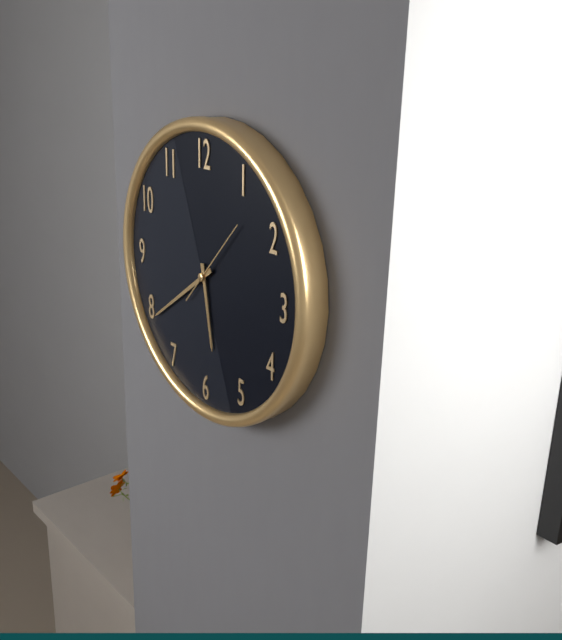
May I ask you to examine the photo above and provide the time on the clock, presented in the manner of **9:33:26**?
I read **5:39:07**
